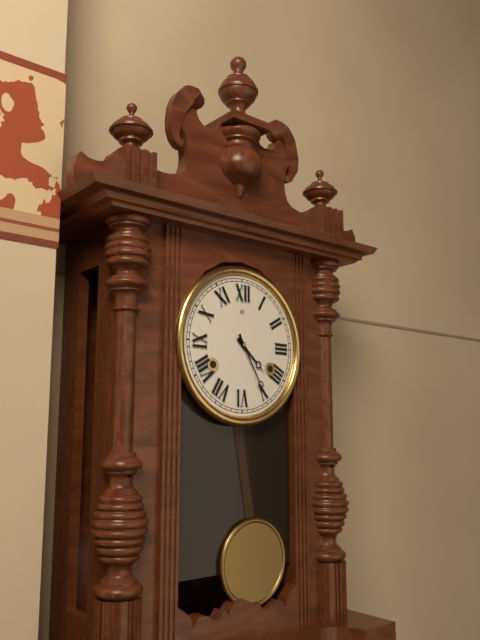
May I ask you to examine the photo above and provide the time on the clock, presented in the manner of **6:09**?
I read **4:25**
